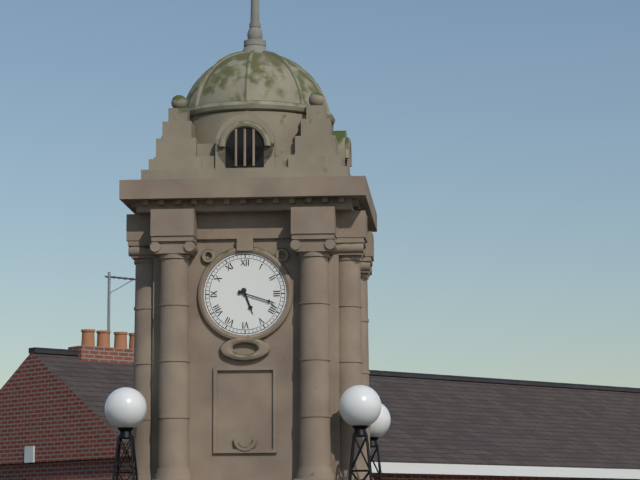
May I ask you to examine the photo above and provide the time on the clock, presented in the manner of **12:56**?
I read **5:18**
